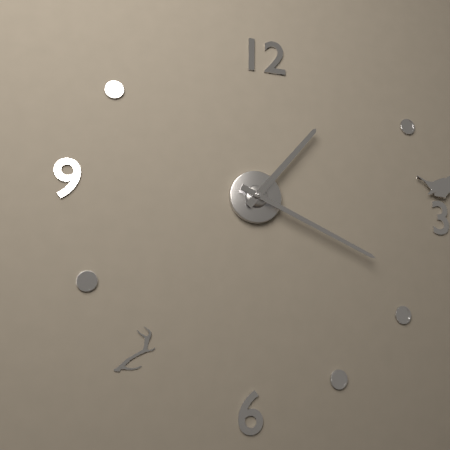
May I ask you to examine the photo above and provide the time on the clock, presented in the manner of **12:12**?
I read **1:19**
